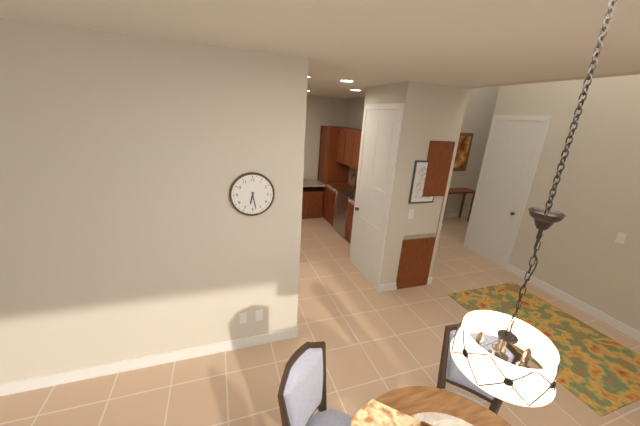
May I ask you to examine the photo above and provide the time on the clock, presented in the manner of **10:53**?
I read **6:28**
